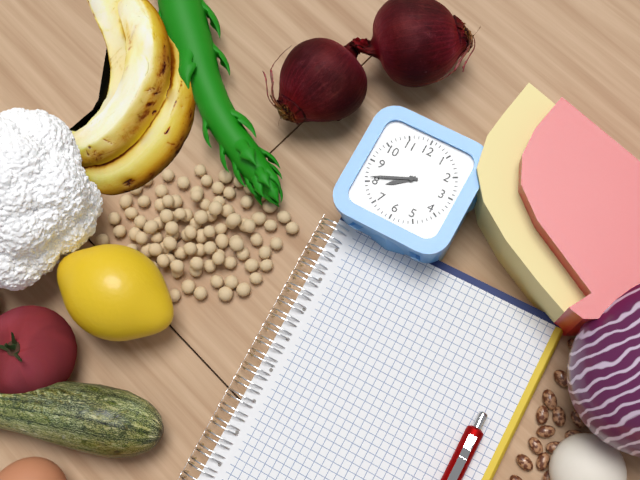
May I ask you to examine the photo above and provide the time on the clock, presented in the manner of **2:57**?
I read **7:41**
